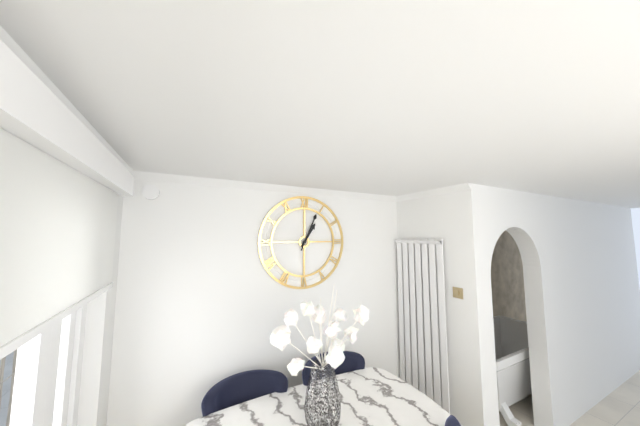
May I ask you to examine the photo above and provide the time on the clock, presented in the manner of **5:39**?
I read **1:04**
